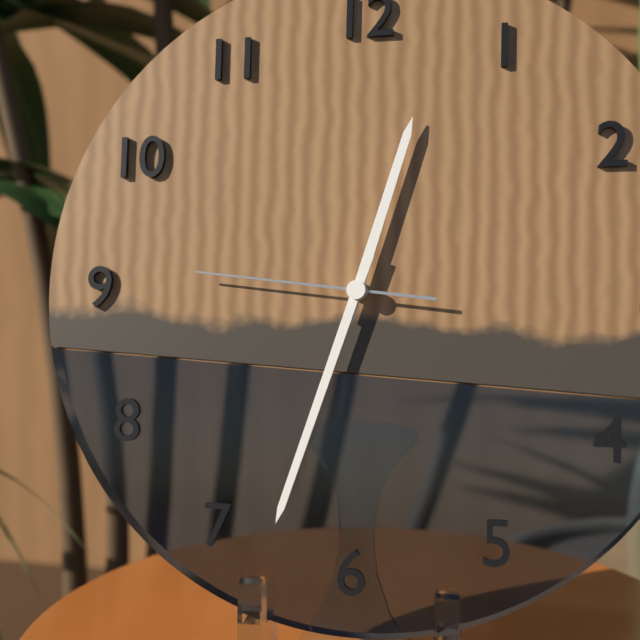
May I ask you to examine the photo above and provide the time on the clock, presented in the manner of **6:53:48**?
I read **12:33:46**
